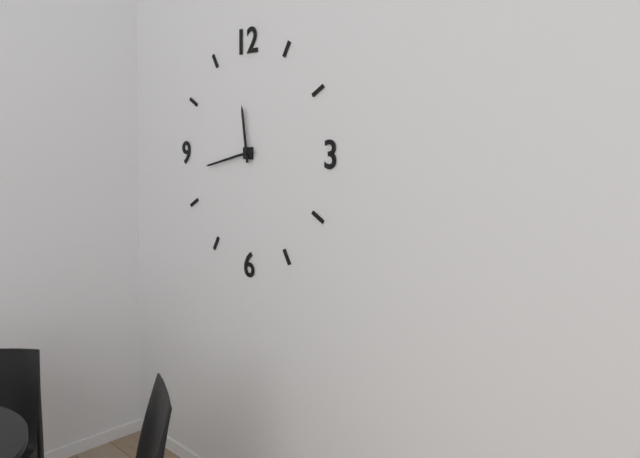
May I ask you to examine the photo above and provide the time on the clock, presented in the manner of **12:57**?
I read **11:43**
